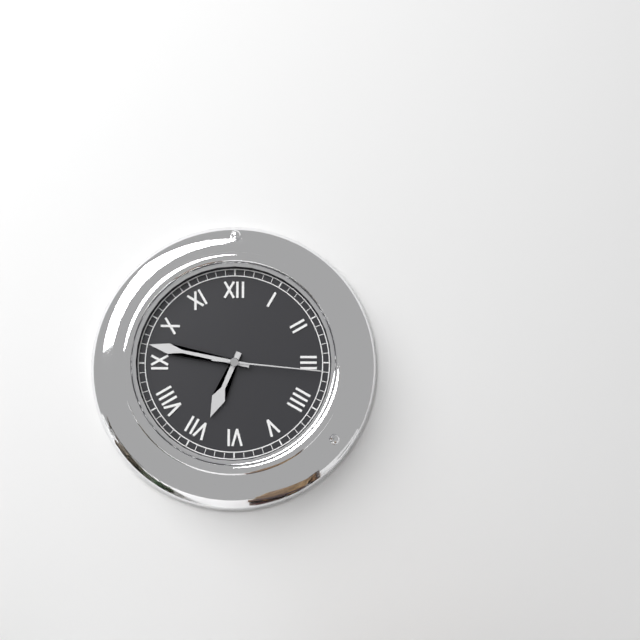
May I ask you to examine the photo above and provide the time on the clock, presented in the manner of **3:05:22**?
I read **6:47:16**
